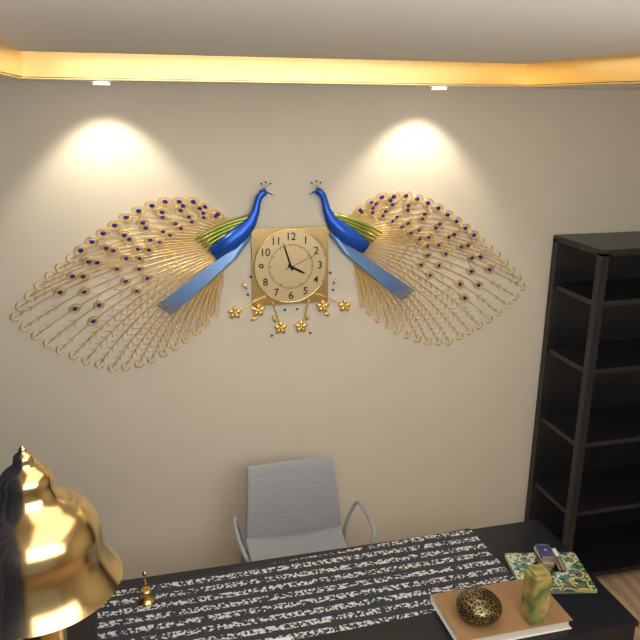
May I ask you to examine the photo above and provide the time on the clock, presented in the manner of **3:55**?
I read **3:57**
